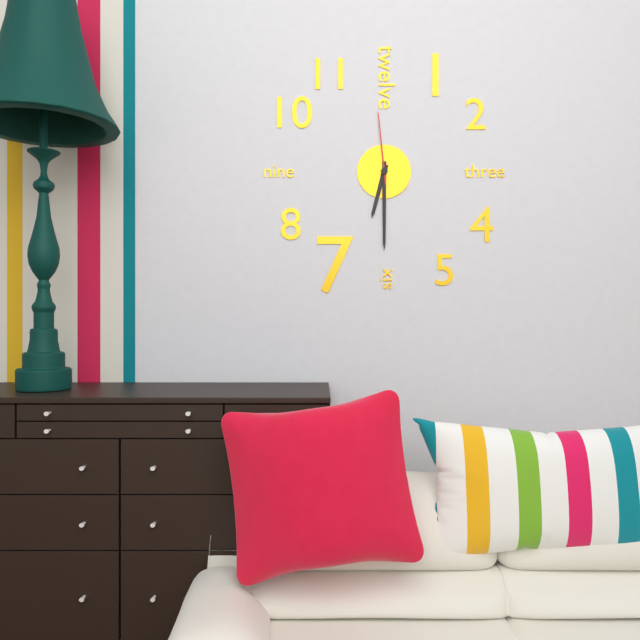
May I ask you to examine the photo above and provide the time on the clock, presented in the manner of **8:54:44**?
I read **6:30:59**
